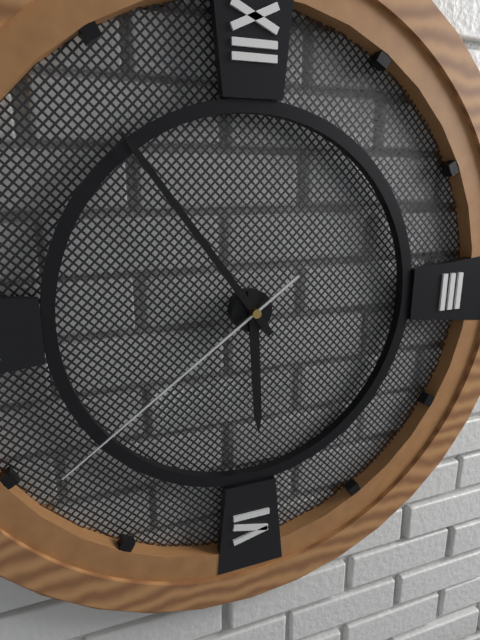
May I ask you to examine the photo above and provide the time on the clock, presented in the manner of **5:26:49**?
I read **5:54:39**
